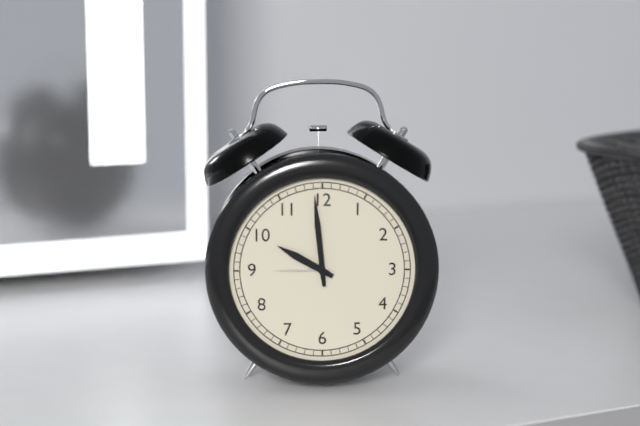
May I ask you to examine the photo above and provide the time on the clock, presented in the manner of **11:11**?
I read **9:59**
